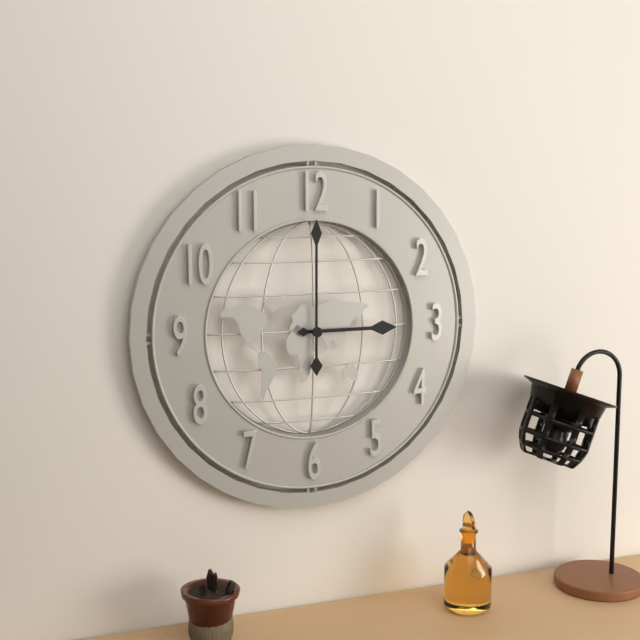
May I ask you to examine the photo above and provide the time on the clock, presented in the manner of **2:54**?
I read **3:00**
